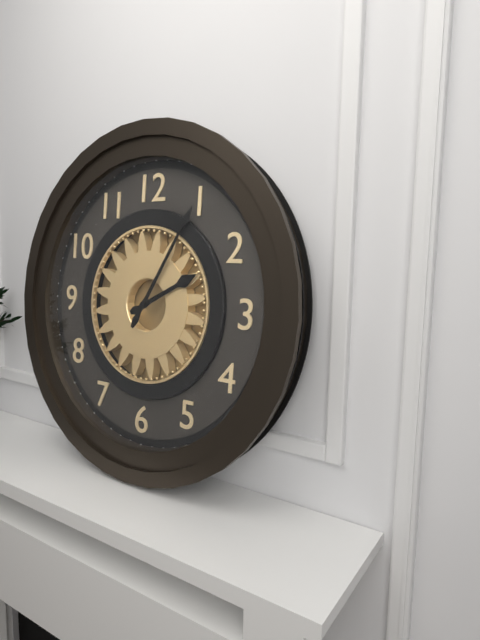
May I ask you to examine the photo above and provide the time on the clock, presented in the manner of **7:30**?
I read **2:05**
